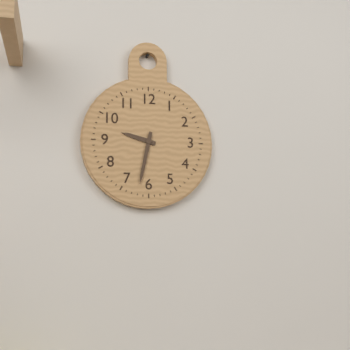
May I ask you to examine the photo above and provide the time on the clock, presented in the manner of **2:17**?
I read **9:32**
